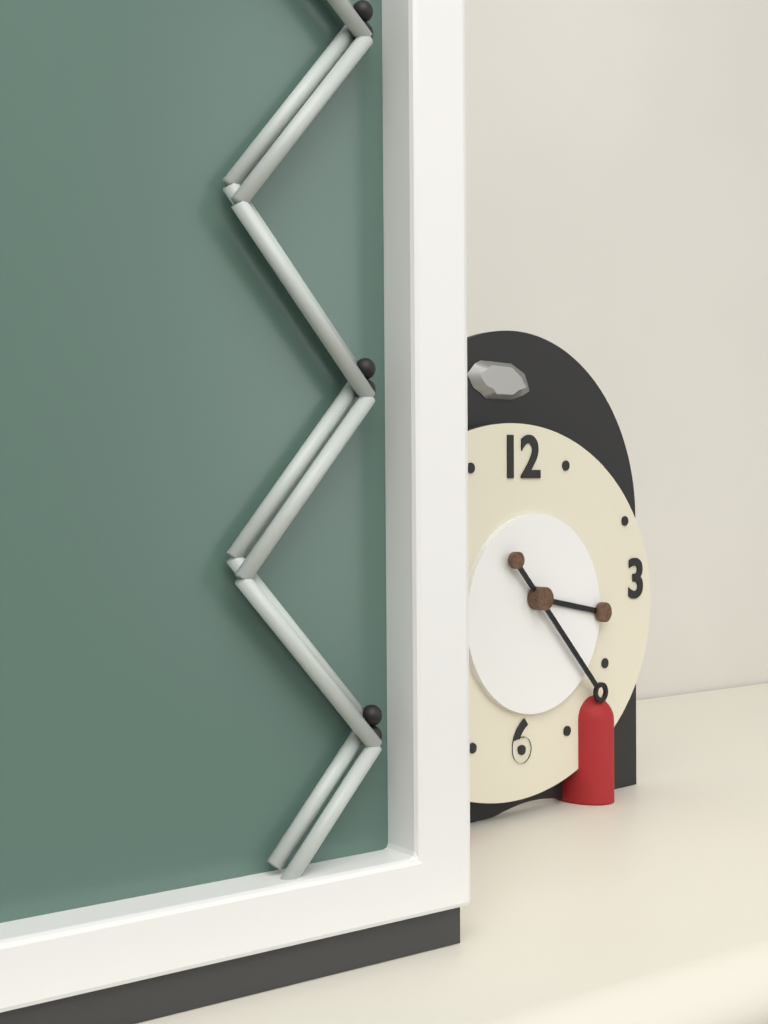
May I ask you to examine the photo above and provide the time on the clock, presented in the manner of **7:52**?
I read **3:23**
